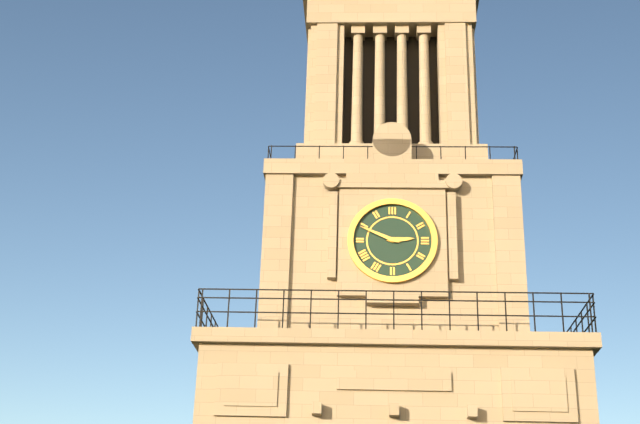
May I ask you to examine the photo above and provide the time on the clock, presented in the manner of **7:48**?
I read **2:49**
